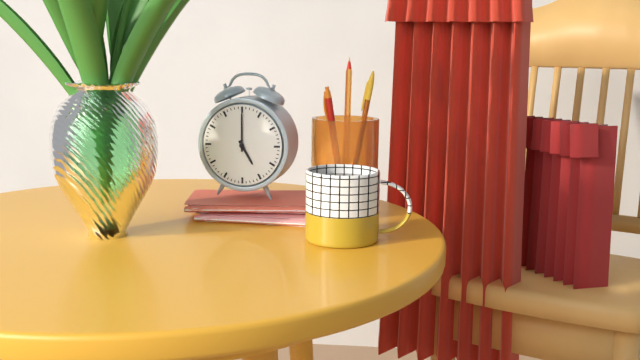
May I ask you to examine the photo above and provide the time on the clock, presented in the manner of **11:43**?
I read **5:00**
